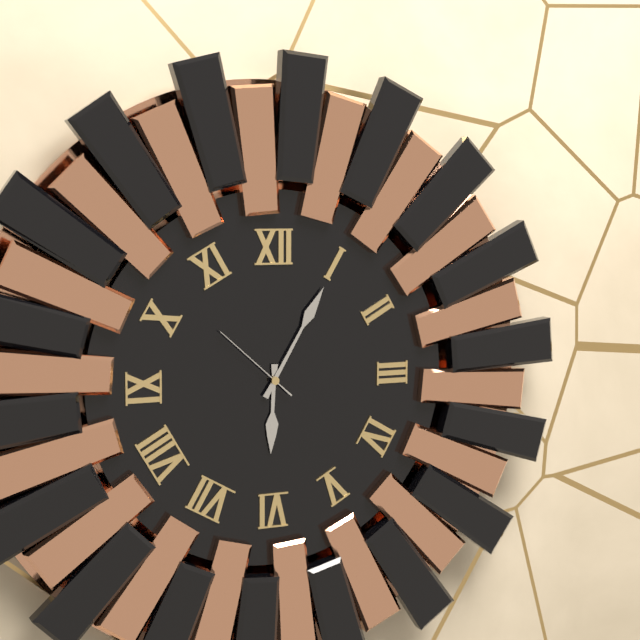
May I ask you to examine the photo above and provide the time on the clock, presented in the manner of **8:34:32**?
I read **6:05:52**
